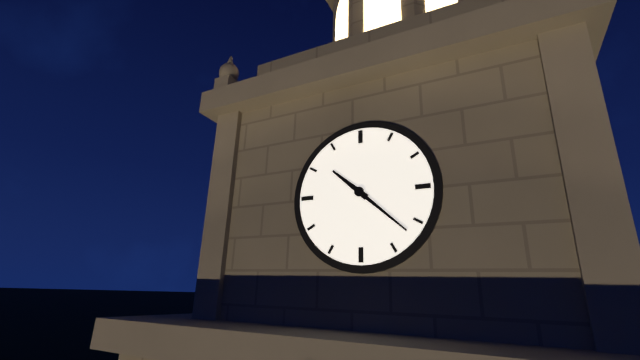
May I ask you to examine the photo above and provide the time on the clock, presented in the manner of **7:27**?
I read **10:22**
